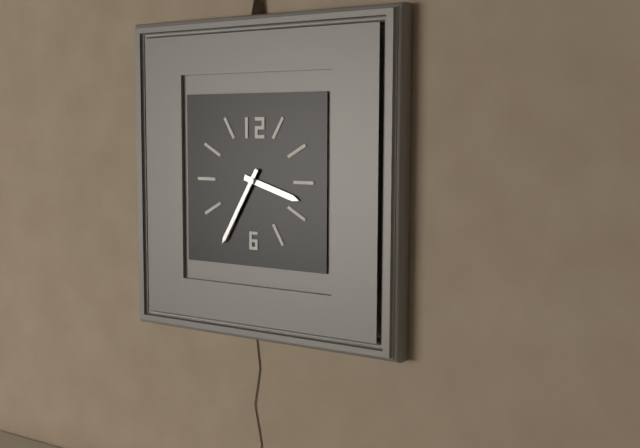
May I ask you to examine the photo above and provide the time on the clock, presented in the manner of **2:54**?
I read **3:35**
